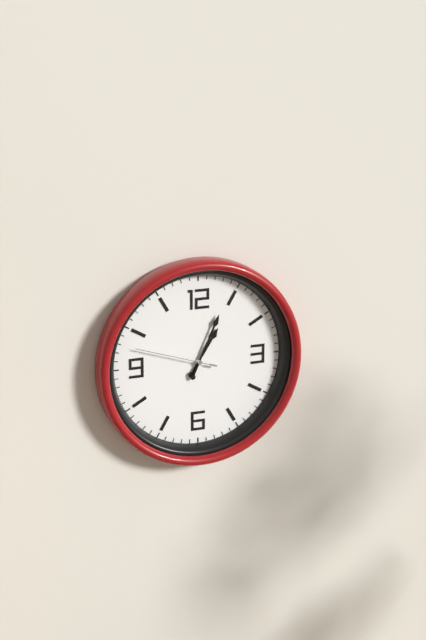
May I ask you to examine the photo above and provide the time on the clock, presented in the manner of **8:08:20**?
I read **1:04:48**
